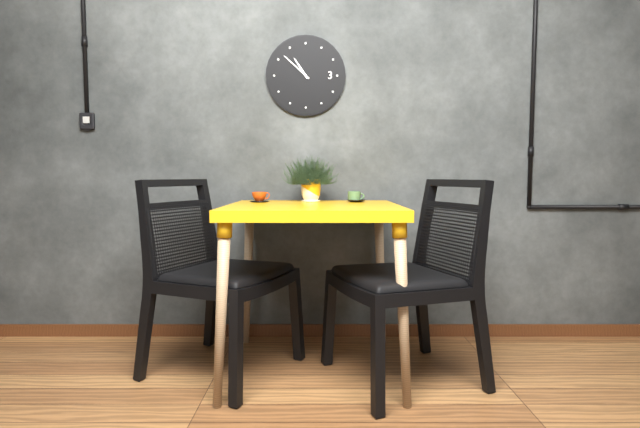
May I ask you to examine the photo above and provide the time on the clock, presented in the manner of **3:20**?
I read **10:52**
